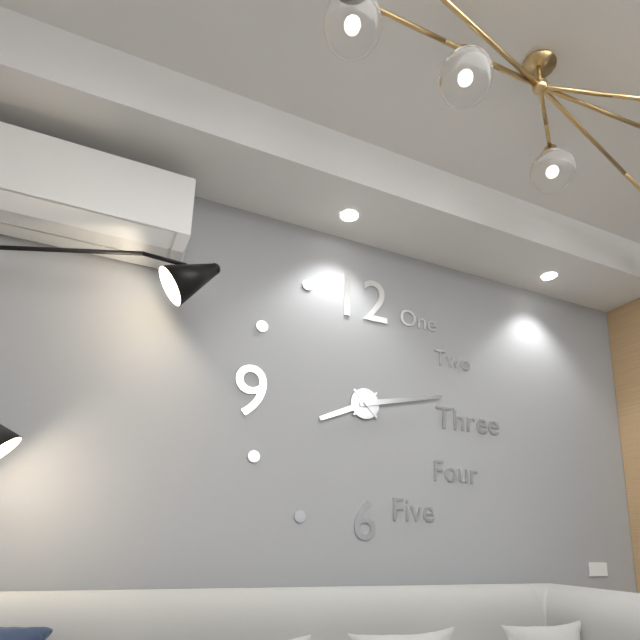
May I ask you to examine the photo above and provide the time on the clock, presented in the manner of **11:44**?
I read **8:13**
